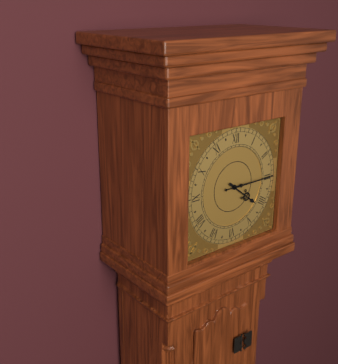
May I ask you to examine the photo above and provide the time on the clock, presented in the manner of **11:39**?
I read **4:15**
